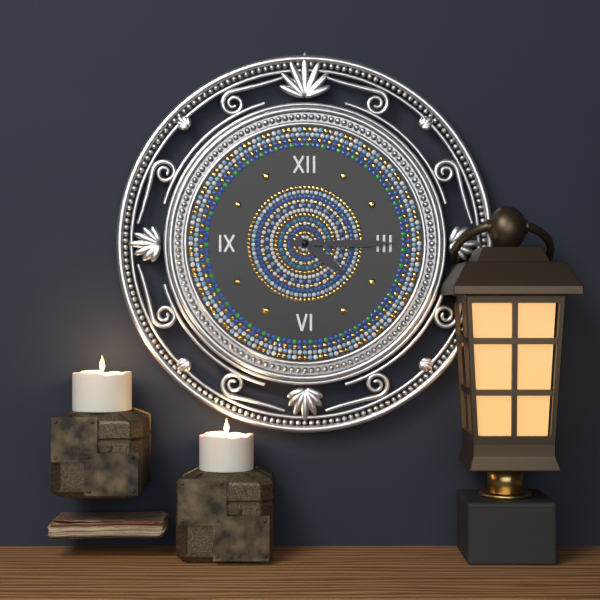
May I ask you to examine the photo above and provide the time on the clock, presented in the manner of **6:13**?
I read **4:15**
